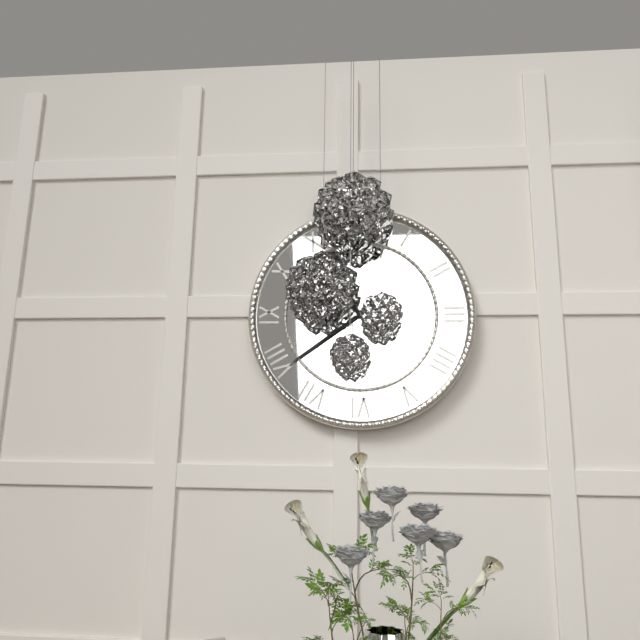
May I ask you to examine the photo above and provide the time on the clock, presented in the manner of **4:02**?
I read **10:39**
